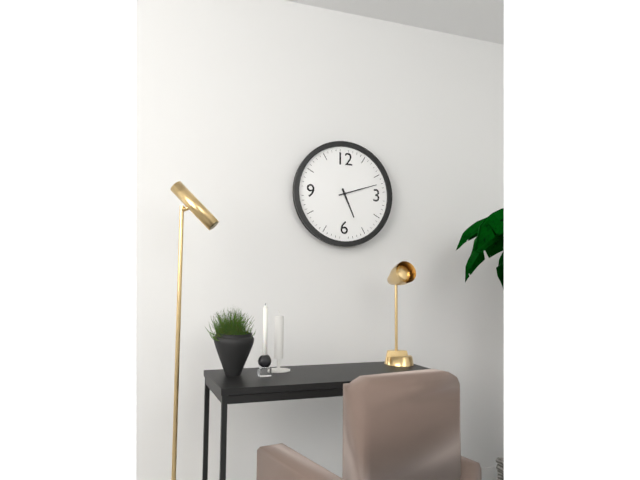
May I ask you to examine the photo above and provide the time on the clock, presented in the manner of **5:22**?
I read **5:12**
